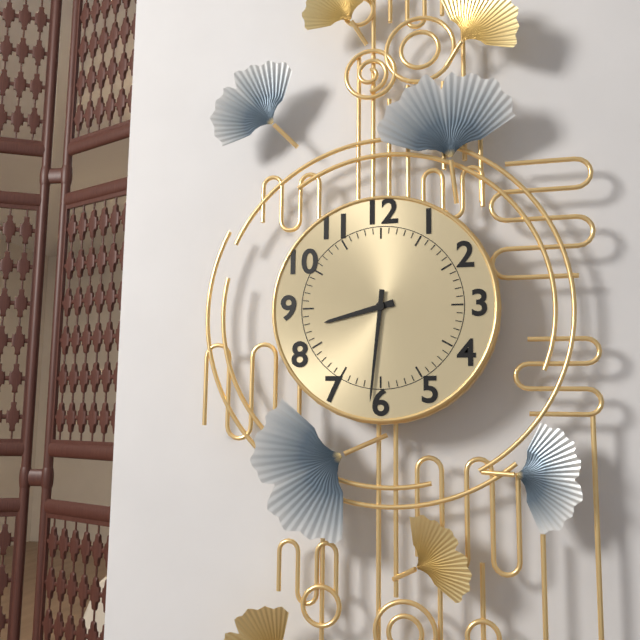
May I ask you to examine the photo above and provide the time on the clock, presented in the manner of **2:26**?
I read **8:31**
